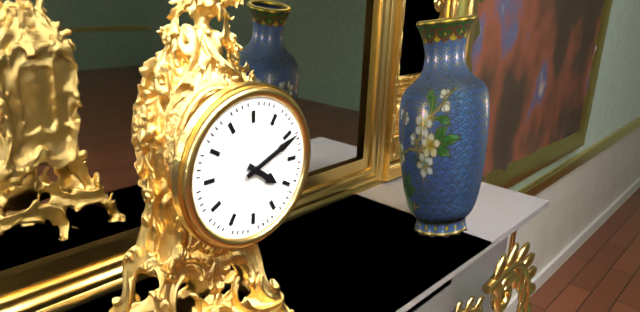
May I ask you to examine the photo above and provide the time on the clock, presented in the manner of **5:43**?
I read **4:11**
